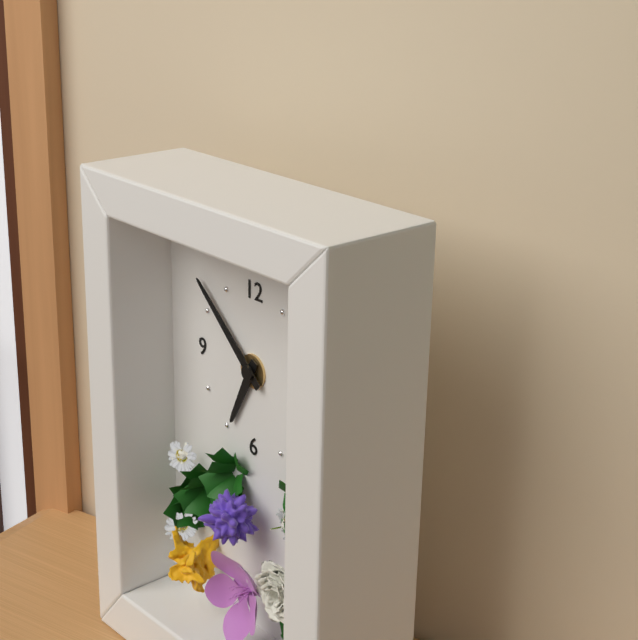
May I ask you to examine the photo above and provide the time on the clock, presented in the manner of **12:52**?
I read **6:52**
